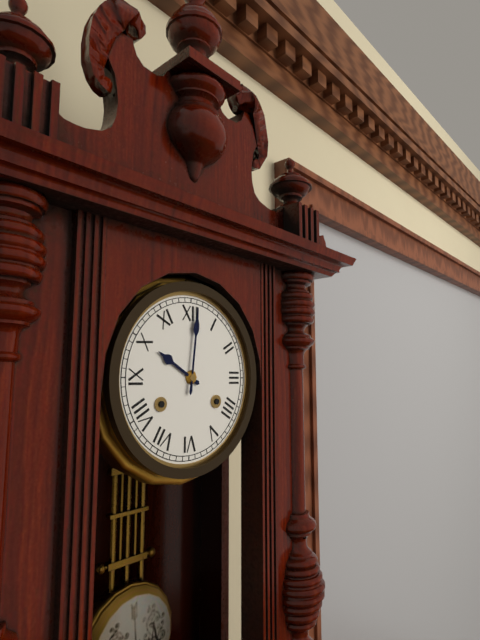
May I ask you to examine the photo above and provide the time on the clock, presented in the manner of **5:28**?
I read **10:01**
